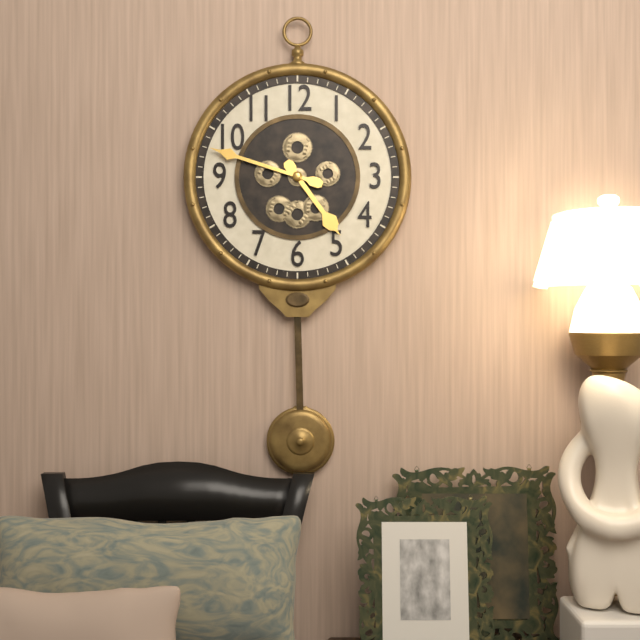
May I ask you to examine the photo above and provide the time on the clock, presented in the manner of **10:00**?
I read **4:48**
